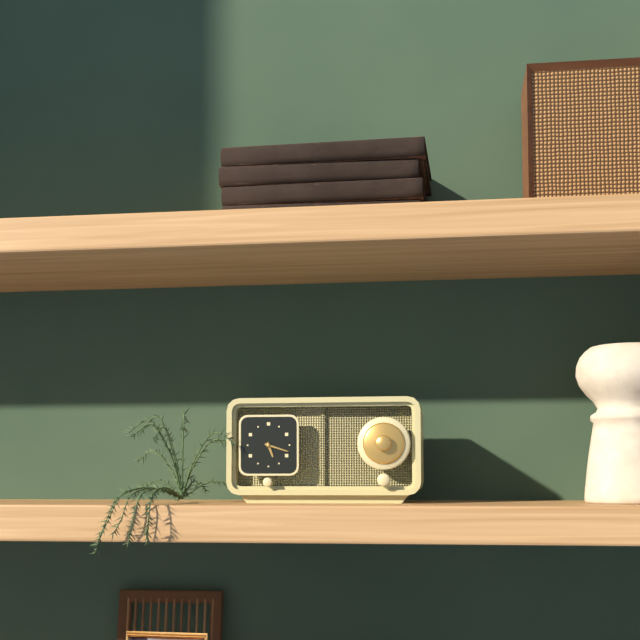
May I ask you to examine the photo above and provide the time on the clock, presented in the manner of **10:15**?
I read **5:18**
